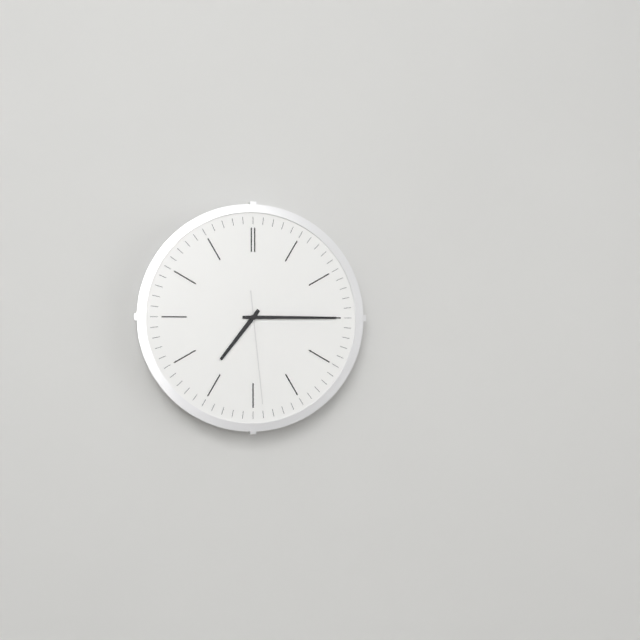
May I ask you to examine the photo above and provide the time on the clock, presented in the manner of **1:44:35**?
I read **7:15:29**
